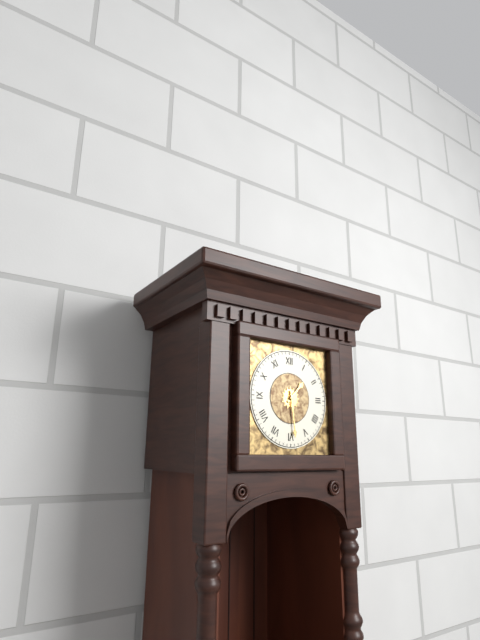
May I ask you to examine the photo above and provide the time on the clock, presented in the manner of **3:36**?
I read **1:29**
